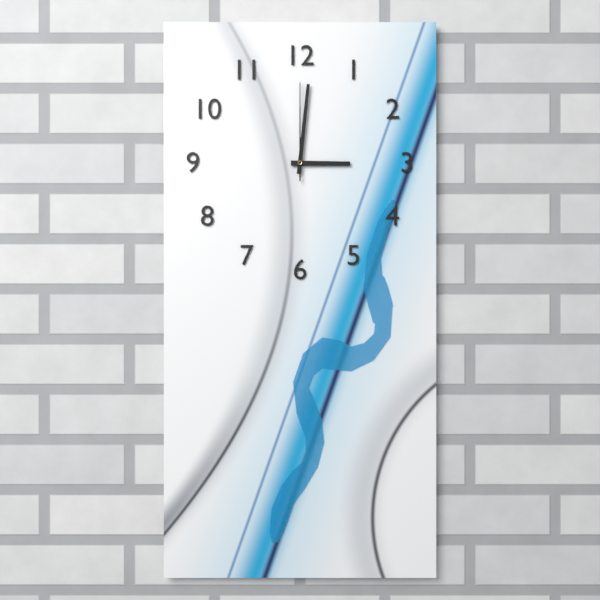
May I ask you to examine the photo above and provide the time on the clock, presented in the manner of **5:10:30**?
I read **3:01:00**
